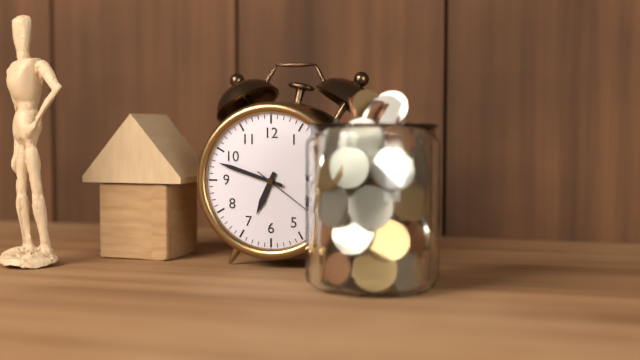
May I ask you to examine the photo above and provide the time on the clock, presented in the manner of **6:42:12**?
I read **6:48:21**
